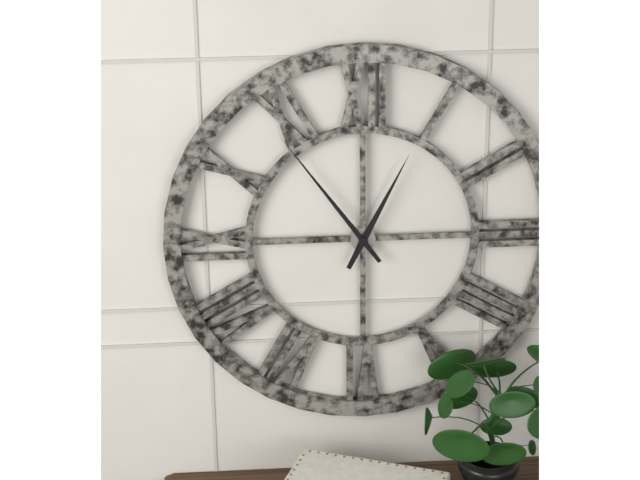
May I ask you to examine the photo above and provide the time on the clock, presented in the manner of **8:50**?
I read **12:54**
